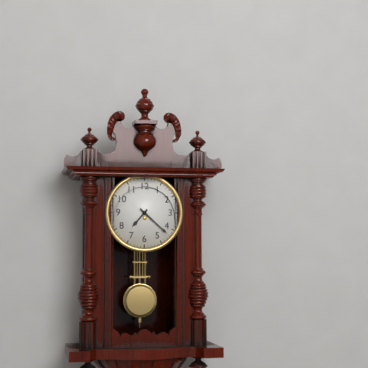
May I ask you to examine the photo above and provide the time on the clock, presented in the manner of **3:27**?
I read **7:22**
